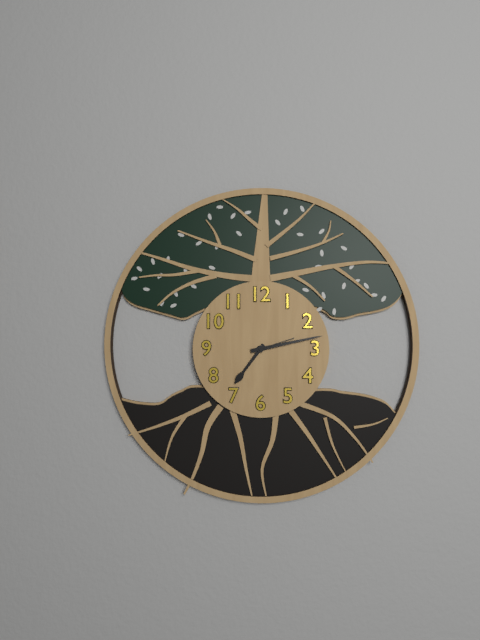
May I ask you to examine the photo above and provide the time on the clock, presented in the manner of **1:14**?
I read **7:13**
